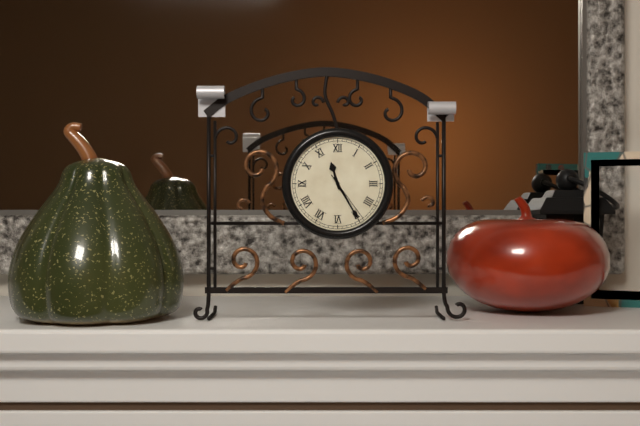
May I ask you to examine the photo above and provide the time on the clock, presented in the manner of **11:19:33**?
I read **11:25:24**
